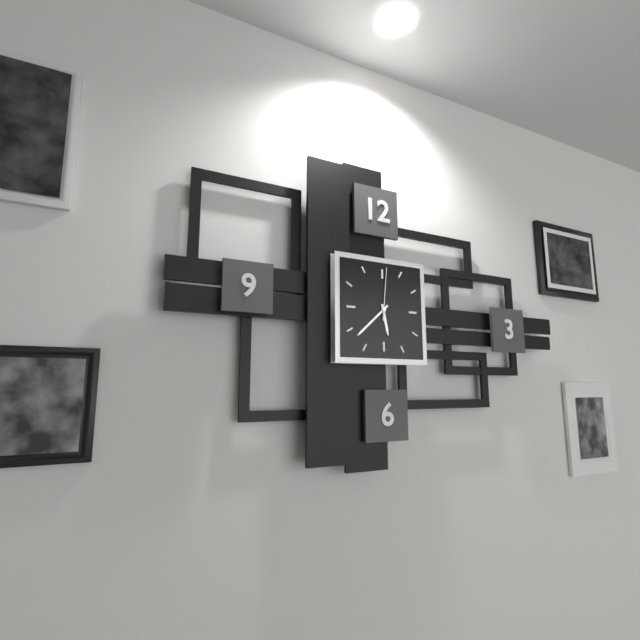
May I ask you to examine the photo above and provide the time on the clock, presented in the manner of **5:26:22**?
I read **5:38:01**
